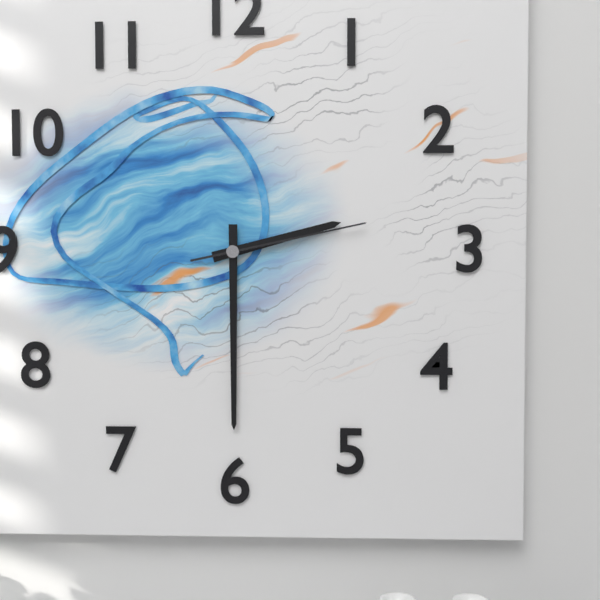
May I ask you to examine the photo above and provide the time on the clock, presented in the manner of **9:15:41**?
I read **2:30:13**
